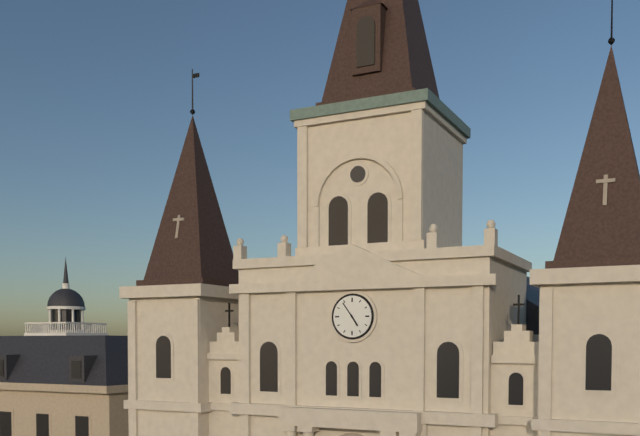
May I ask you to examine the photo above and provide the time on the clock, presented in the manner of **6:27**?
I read **4:54**
